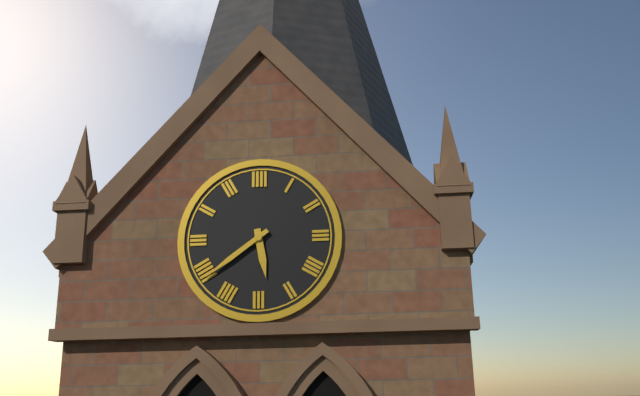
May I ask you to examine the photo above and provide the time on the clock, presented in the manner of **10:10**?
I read **5:39**
